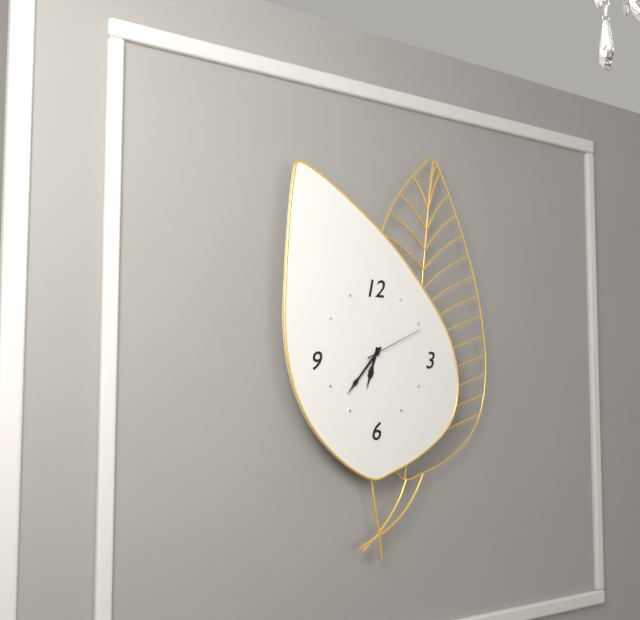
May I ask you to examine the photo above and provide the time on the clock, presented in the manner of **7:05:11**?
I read **6:37:11**
